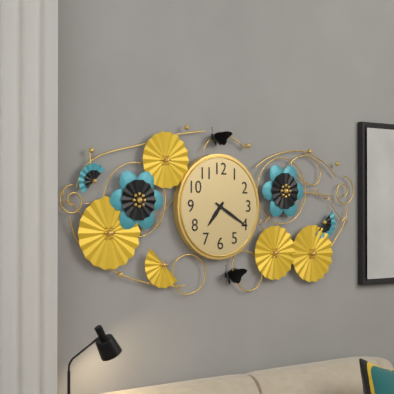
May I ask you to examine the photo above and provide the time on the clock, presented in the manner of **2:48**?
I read **7:20**
